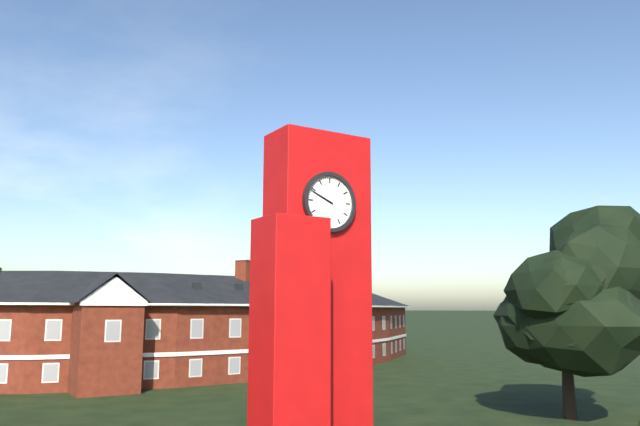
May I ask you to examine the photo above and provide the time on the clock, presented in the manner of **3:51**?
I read **9:49**
